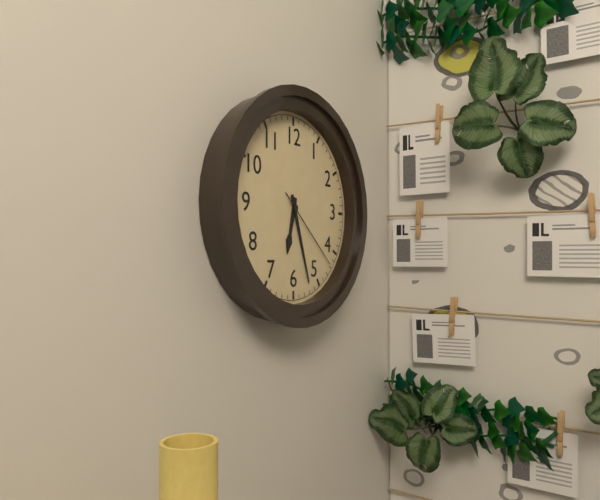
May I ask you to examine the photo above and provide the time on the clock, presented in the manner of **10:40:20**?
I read **6:27:22**
